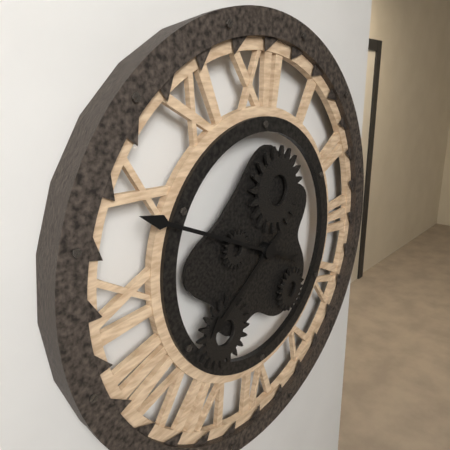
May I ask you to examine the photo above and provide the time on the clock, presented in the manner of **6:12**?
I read **7:49**
